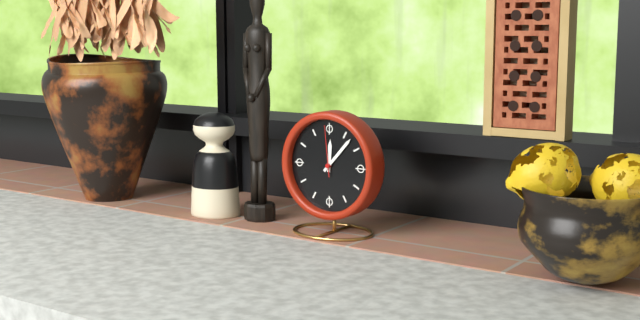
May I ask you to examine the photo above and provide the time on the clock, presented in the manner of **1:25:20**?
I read **12:07:59**
